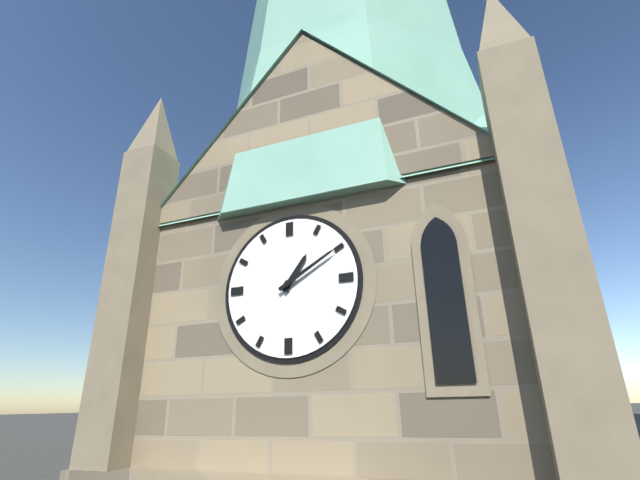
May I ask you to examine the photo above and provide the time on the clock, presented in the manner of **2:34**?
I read **1:10**
